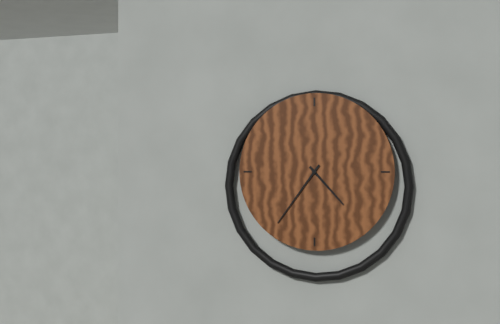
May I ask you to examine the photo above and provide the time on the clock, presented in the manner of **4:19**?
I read **4:36**
